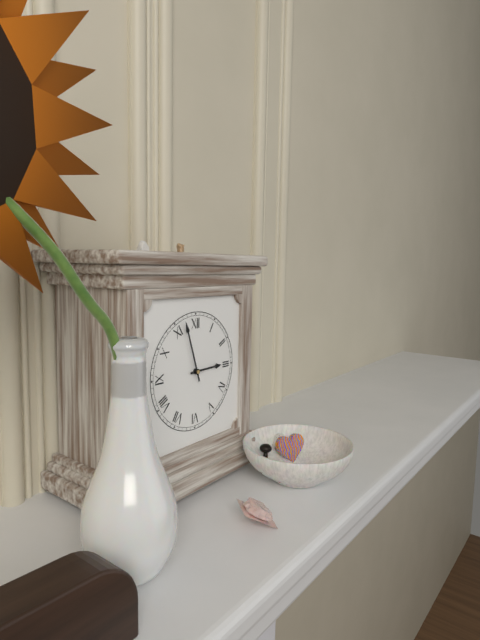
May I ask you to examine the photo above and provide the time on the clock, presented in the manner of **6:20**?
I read **2:57**
